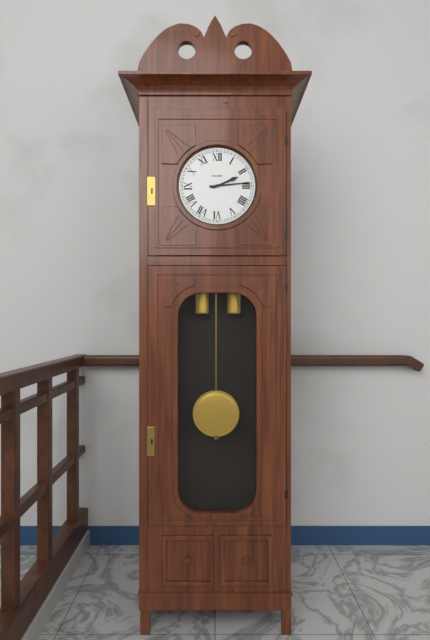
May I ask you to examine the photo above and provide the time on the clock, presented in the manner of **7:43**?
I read **2:14**
